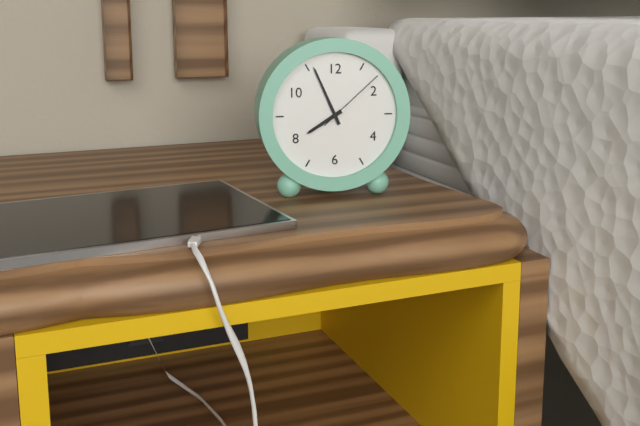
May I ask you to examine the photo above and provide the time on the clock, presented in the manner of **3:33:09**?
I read **7:56:08**
